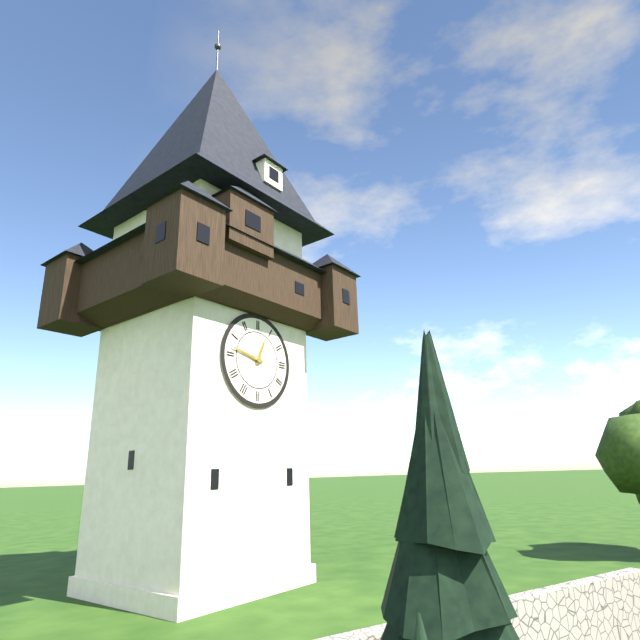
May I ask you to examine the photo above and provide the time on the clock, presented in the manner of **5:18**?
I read **12:47**
